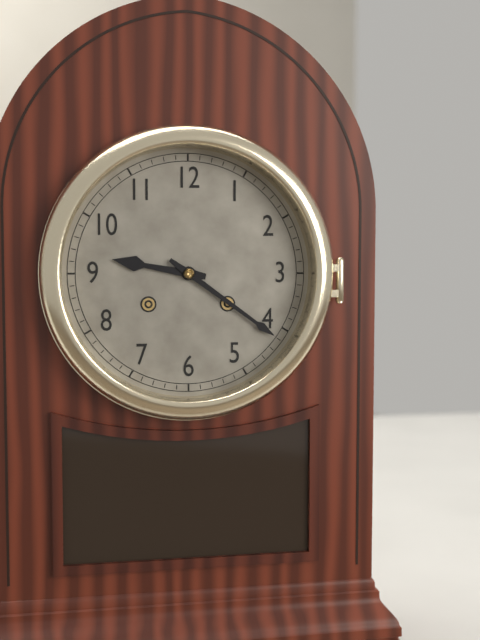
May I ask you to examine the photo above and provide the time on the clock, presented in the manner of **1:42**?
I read **9:21**
